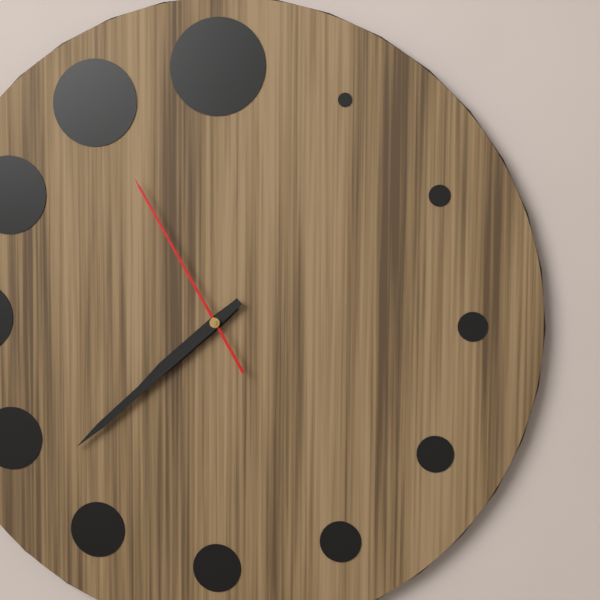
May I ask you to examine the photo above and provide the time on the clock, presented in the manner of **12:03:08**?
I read **7:38:55**
